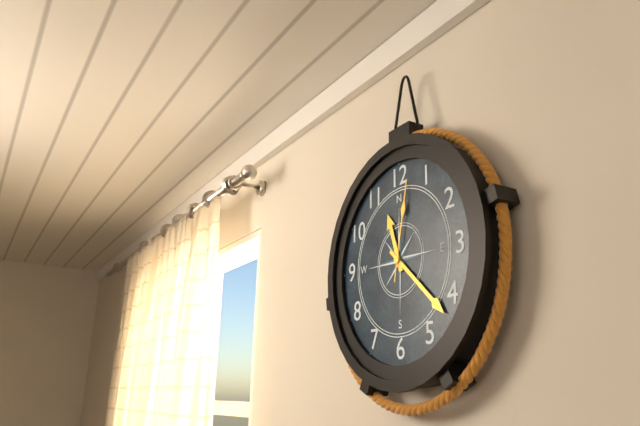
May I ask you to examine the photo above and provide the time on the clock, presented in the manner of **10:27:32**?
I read **11:22:02**
